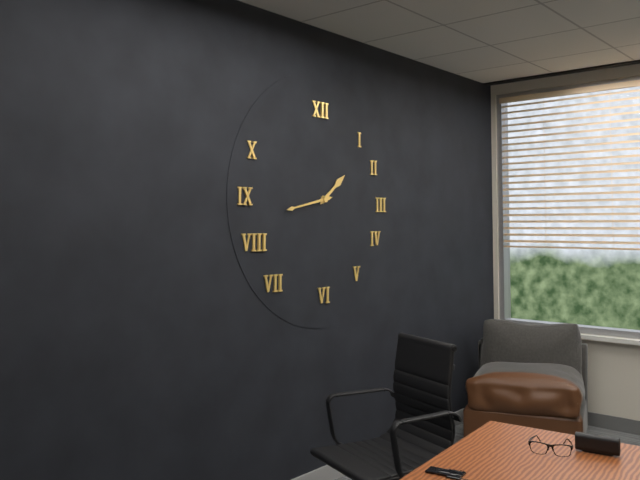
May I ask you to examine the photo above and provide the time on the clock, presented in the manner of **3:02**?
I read **1:43**
